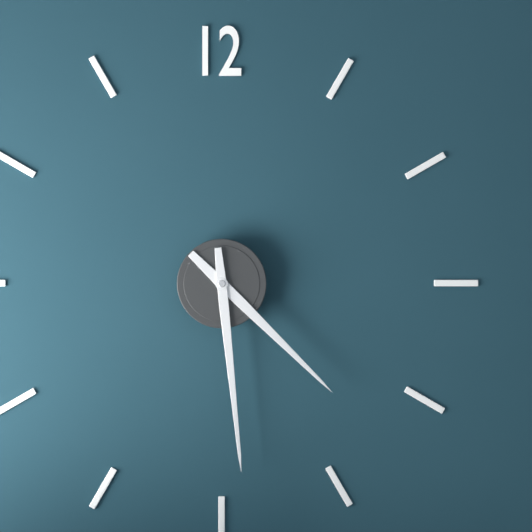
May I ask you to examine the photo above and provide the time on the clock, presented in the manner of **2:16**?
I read **4:29**
